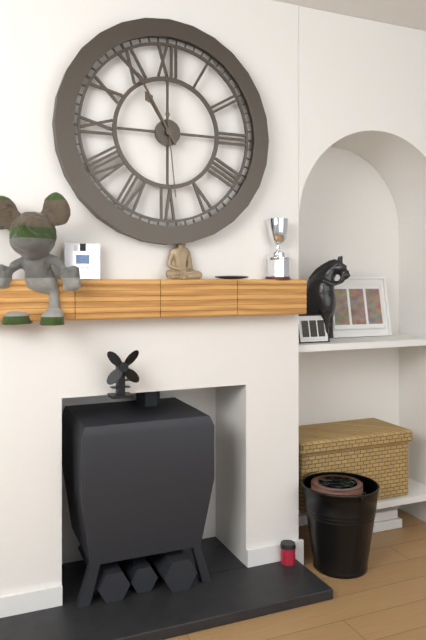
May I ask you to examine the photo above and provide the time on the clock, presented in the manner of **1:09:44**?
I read **10:55:29**
